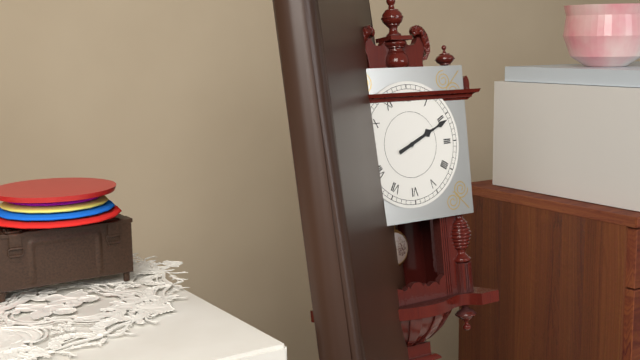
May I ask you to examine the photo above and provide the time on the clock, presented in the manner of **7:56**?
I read **2:11**
